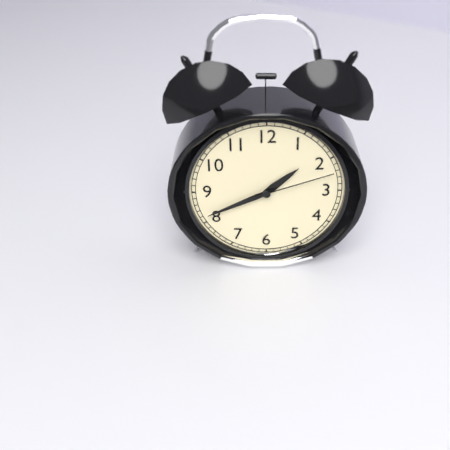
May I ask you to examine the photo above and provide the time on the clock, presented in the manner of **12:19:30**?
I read **1:41:12**
